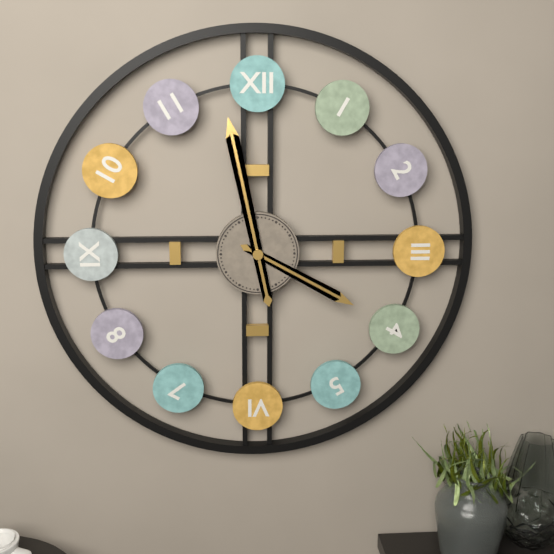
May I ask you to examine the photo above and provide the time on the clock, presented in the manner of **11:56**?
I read **3:58**
